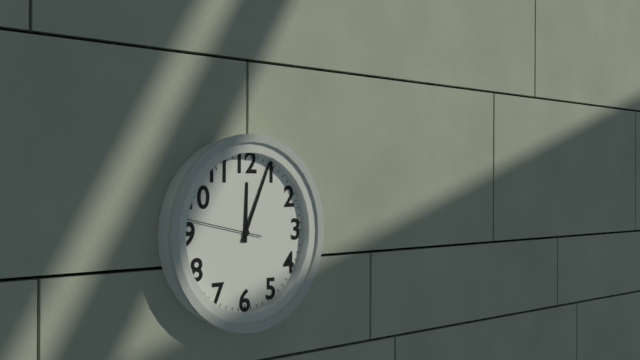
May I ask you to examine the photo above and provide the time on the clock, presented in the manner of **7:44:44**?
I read **12:04:47**
